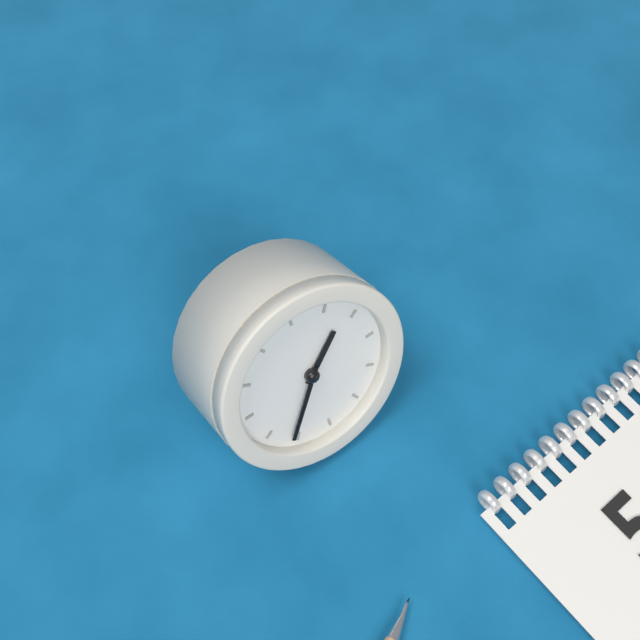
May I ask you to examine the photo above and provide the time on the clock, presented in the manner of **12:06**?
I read **1:36**
